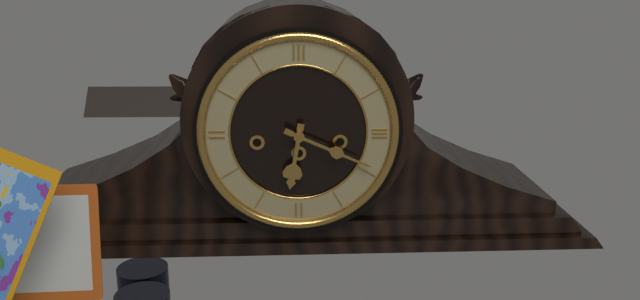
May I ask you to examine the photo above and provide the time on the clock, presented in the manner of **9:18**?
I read **6:19**
